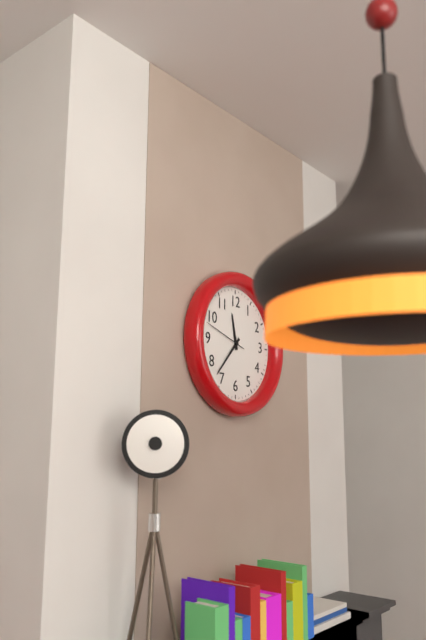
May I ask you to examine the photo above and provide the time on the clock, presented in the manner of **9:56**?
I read **11:37**
